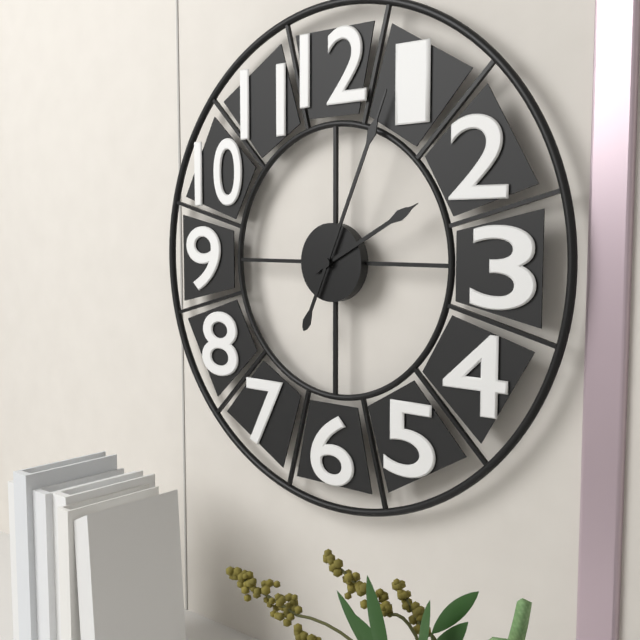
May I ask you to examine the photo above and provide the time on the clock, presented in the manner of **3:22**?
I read **2:04**
